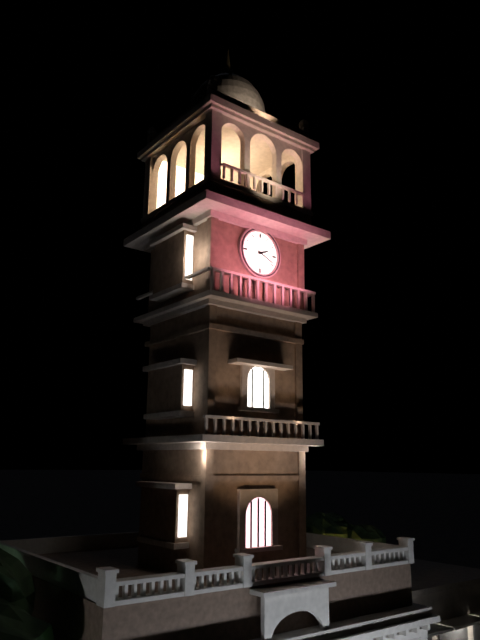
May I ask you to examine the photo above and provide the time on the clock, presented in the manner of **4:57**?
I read **2:19**
